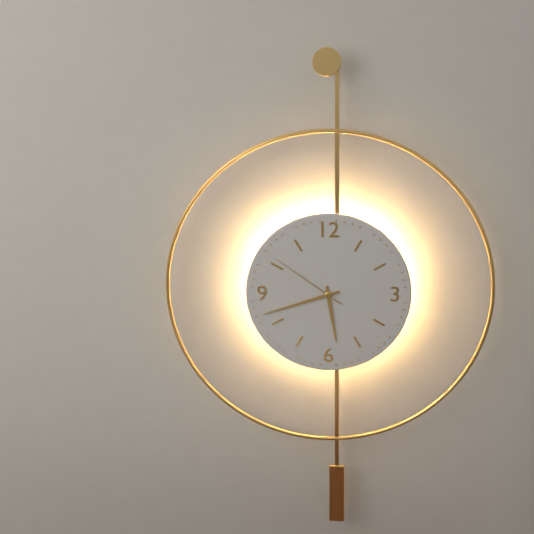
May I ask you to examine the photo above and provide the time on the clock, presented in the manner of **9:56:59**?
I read **5:42:51**
